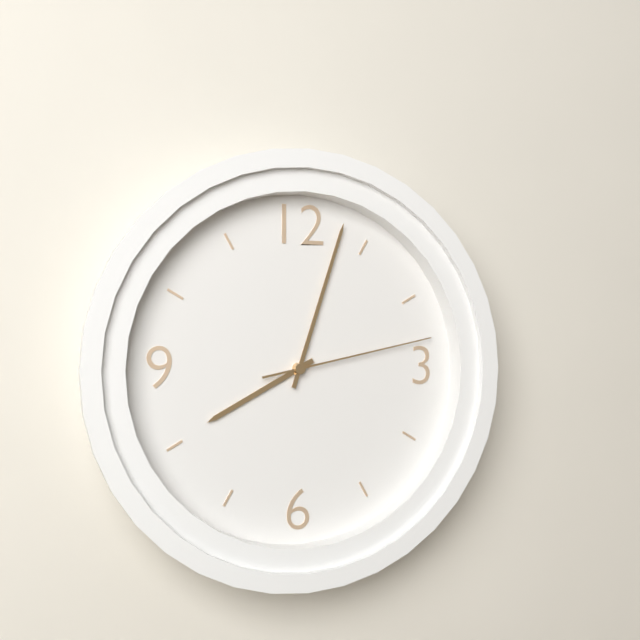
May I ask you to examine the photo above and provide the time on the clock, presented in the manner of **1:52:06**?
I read **8:03:13**
